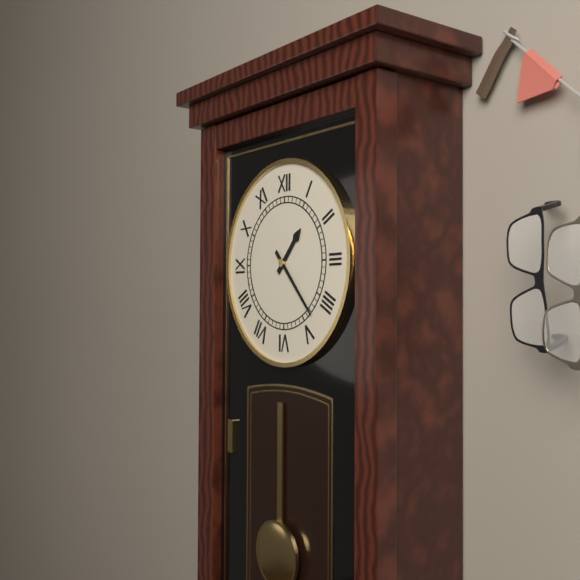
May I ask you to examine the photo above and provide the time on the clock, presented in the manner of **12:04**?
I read **1:23**
